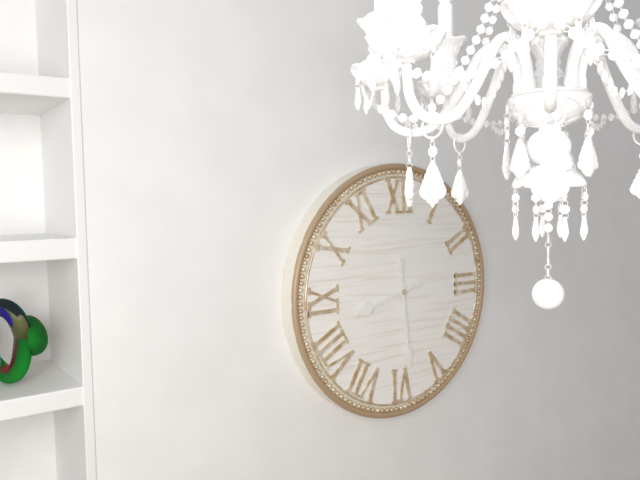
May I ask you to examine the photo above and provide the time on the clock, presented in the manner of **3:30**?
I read **8:29**
